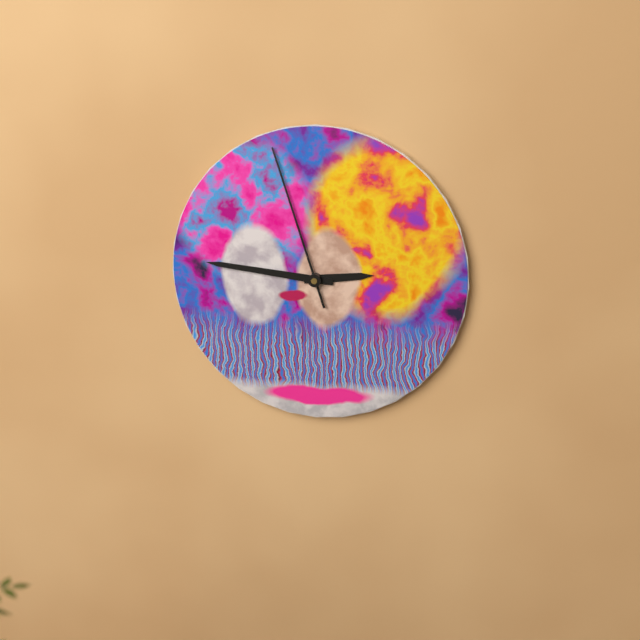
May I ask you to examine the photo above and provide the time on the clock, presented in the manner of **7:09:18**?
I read **2:46:57**
